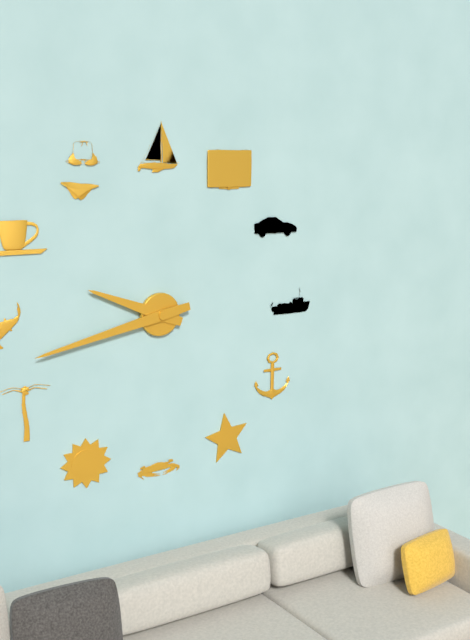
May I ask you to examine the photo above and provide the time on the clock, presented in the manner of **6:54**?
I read **9:43**
